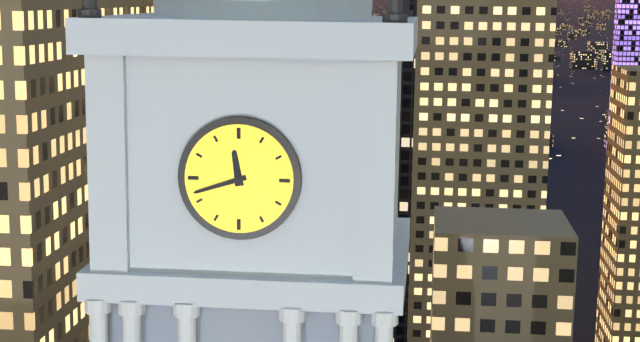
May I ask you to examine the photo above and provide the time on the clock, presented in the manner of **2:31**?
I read **11:42**
